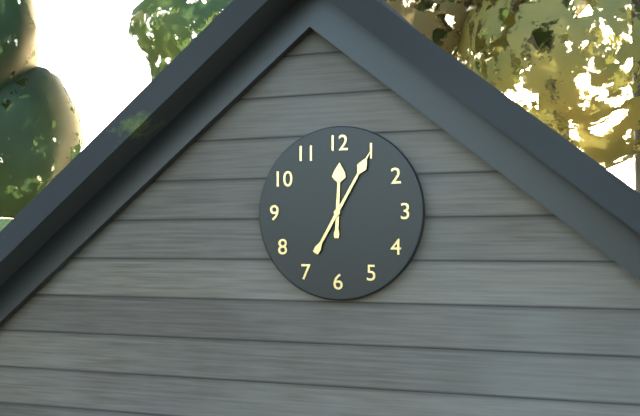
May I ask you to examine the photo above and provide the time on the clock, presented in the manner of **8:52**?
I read **12:05**
